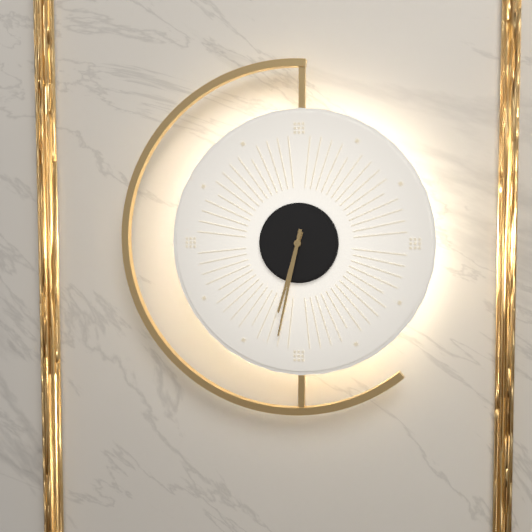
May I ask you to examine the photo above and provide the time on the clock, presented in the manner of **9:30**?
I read **6:32**
